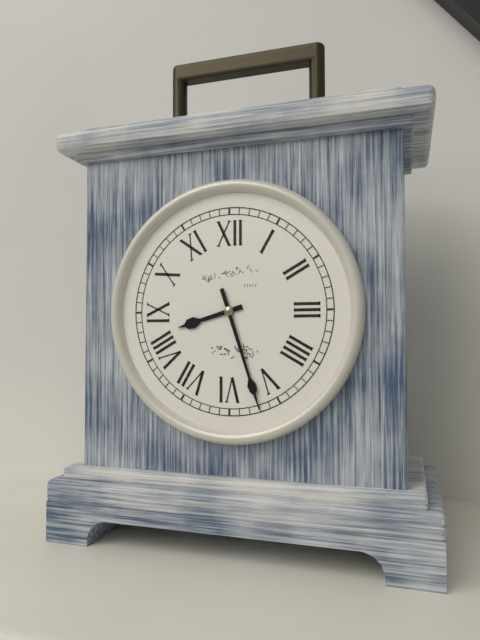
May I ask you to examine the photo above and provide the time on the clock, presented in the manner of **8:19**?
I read **8:27**
